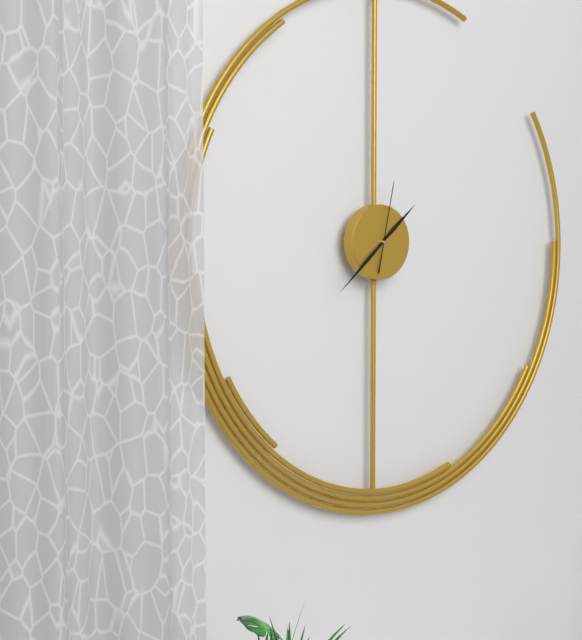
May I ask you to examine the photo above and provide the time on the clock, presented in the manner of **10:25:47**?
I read **1:38:02**
